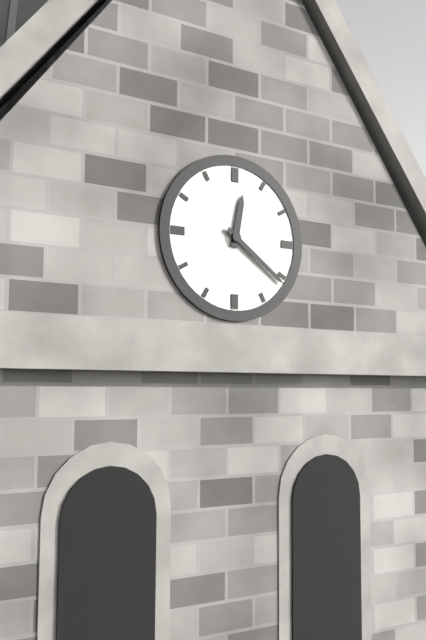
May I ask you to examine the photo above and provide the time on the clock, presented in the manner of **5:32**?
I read **12:21**
